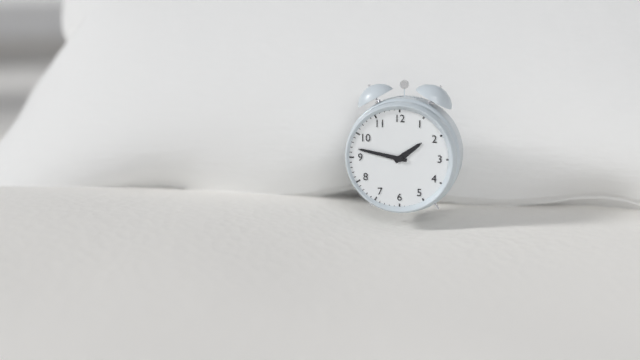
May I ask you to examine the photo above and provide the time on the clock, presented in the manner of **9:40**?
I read **1:47**
